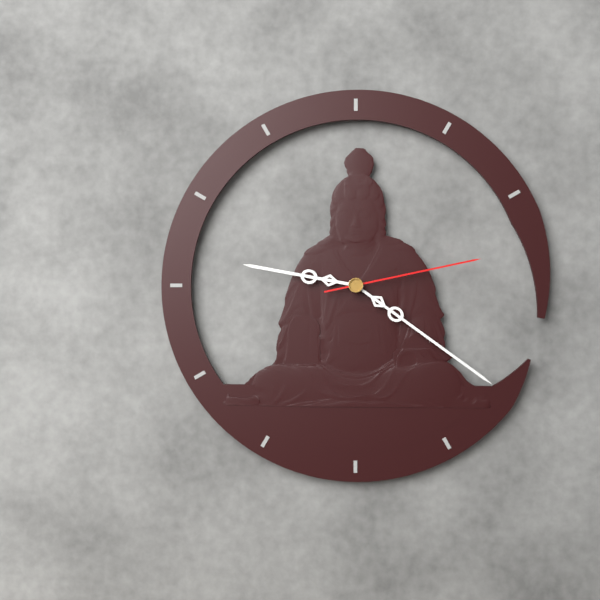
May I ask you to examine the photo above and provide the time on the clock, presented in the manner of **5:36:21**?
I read **9:21:13**
